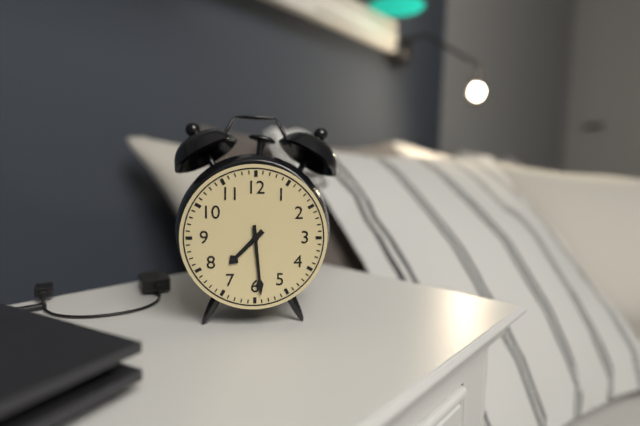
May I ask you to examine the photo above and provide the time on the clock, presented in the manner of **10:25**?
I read **7:29**
